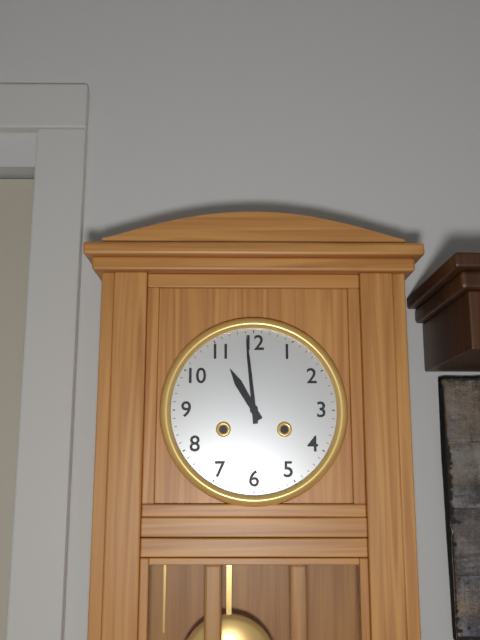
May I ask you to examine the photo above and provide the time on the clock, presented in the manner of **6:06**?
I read **10:59**
